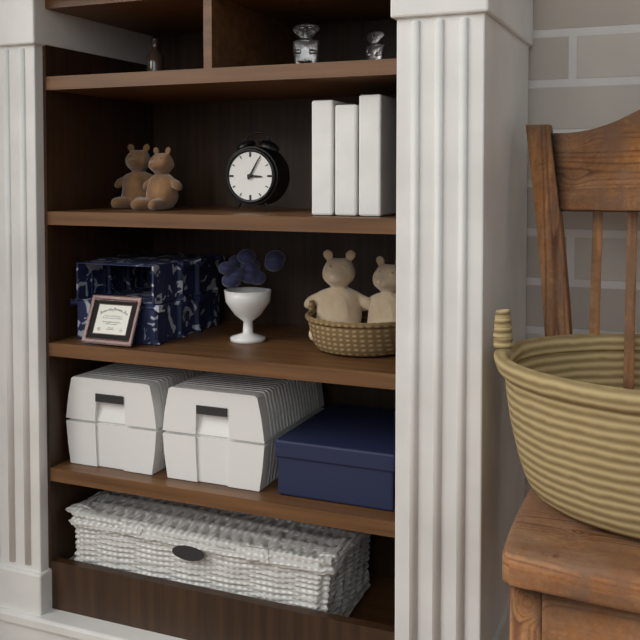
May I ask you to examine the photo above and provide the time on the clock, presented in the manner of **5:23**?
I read **3:05**
